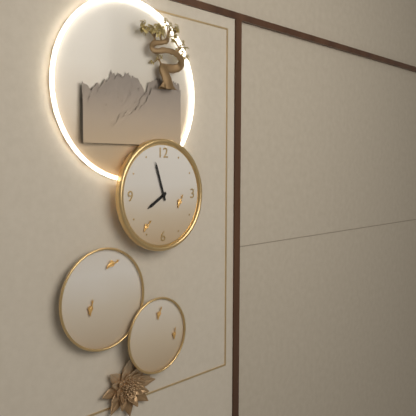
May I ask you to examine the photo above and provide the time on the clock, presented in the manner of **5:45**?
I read **7:57**
